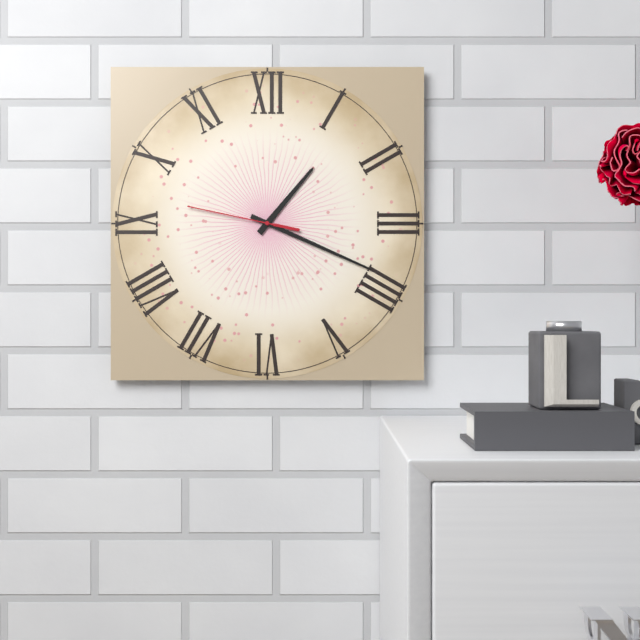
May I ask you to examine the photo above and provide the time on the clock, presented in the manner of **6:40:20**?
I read **1:19:47**
